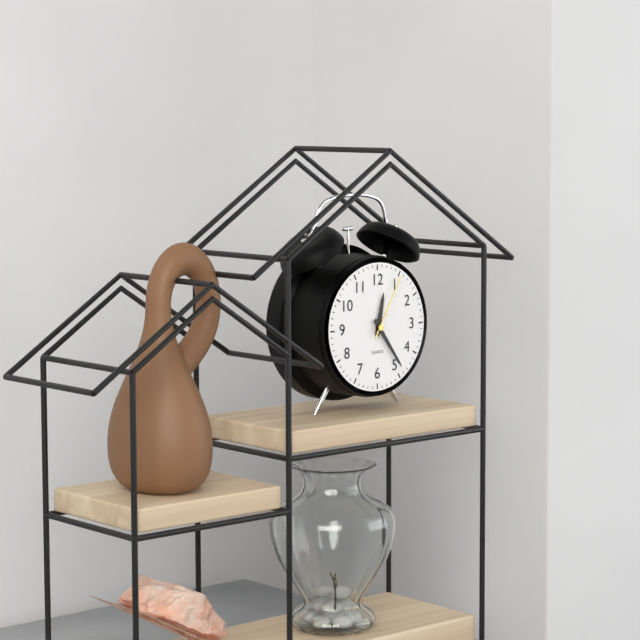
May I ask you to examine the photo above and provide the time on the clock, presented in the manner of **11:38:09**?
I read **12:24:05**
